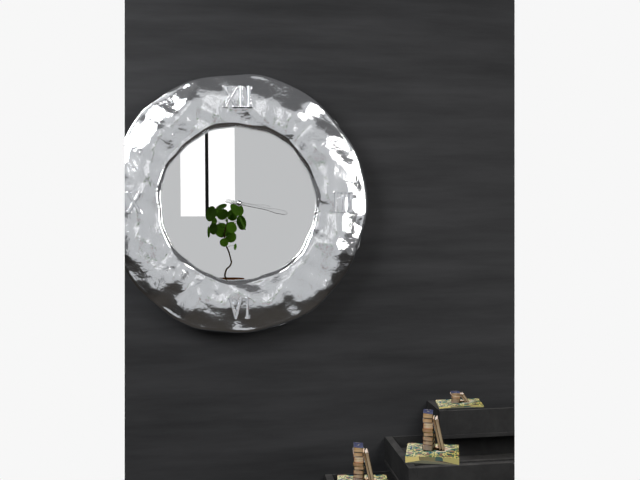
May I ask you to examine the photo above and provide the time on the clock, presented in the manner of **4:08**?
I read **3:17**
